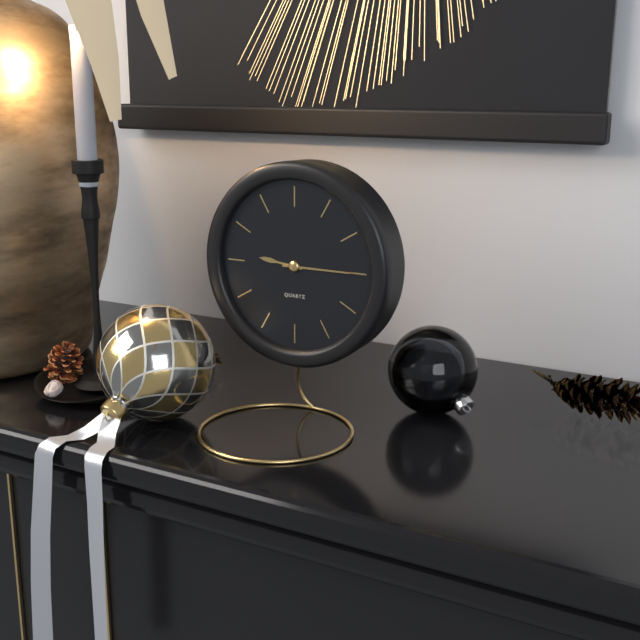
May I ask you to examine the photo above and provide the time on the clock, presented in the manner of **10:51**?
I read **9:15**
